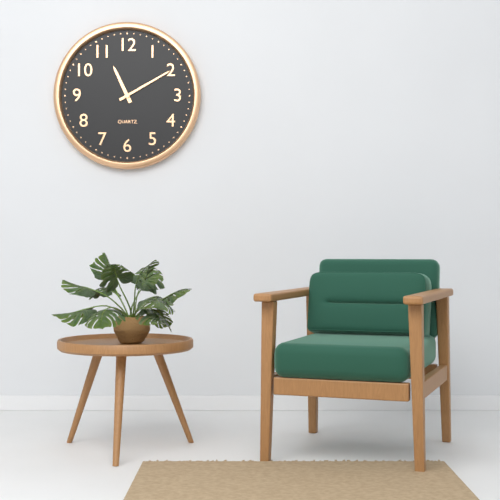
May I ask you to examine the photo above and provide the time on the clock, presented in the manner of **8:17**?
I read **11:10**
